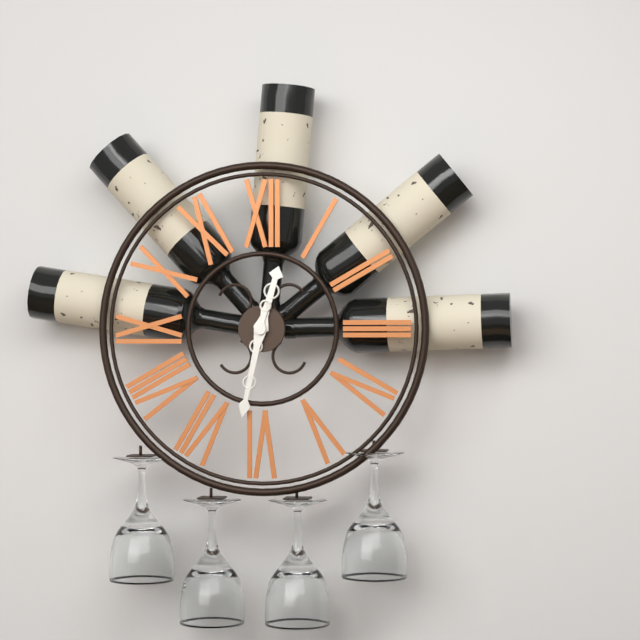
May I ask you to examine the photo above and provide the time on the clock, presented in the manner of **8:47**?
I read **12:32**
